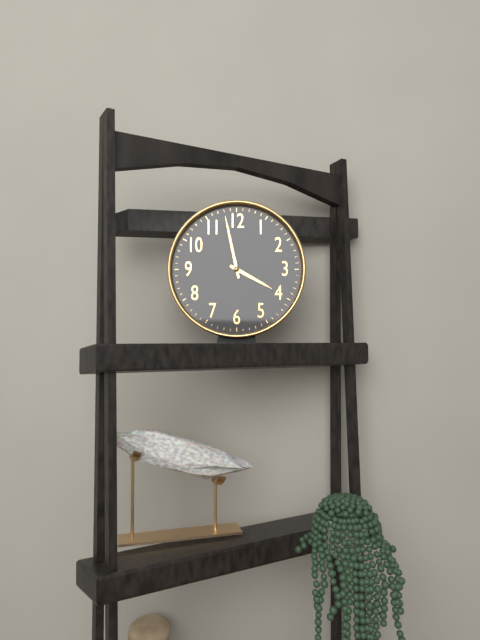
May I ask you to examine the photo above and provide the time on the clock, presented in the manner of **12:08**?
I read **3:58**
